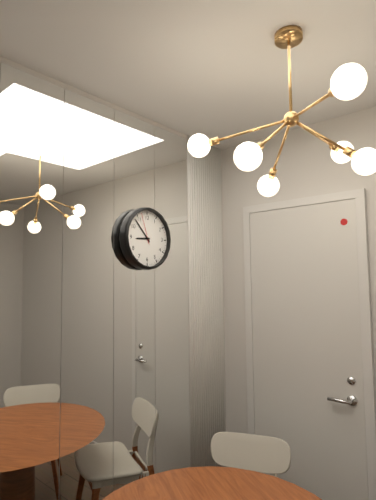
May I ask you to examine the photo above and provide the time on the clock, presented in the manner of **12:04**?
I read **8:53**
